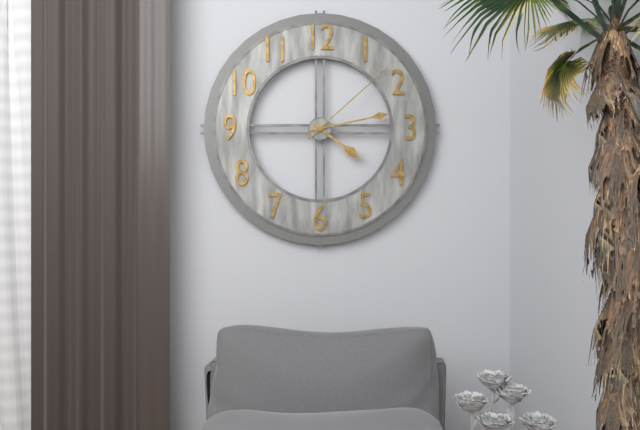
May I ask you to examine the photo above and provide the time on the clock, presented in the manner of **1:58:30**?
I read **4:13:08**
